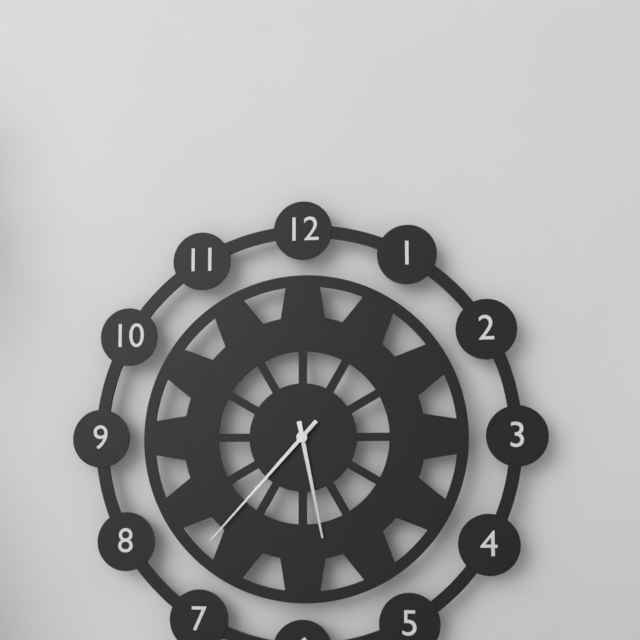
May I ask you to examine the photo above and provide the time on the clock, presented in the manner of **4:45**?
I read **5:37**
